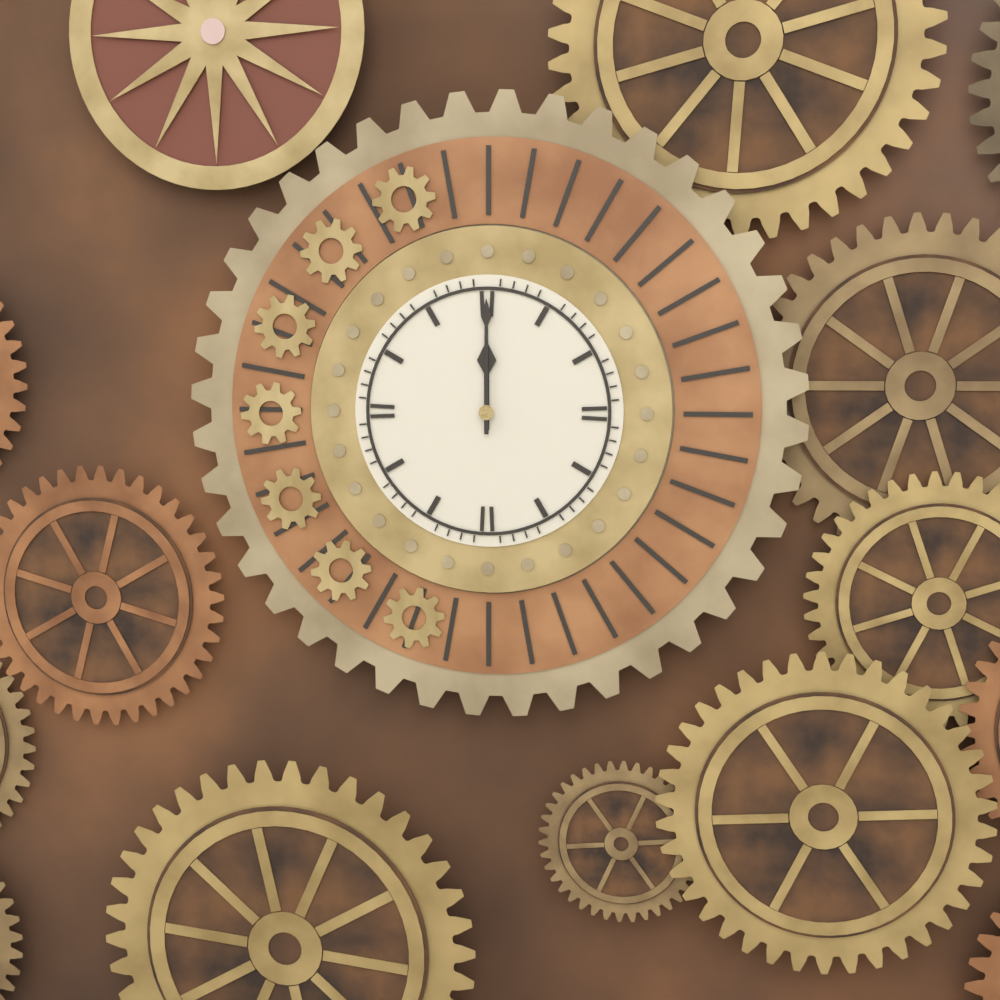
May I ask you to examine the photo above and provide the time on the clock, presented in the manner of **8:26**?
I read **12:00**
